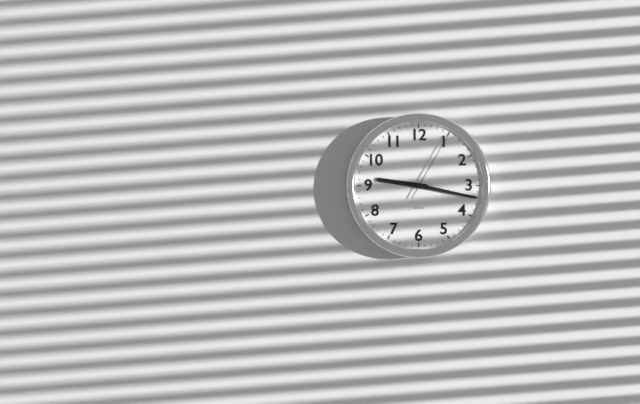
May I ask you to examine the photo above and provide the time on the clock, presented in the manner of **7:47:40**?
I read **9:17:05**
